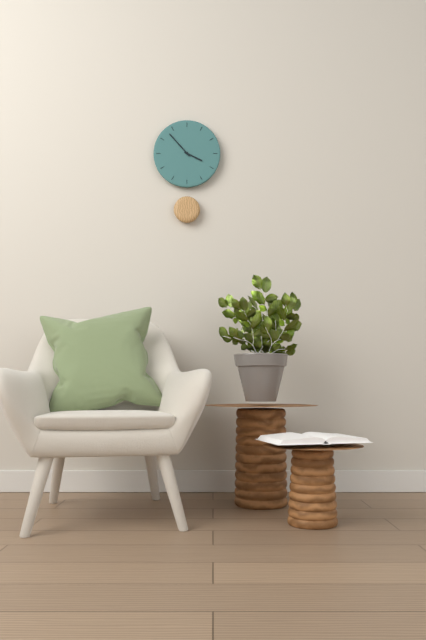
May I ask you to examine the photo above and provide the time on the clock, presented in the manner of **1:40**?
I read **3:53**
